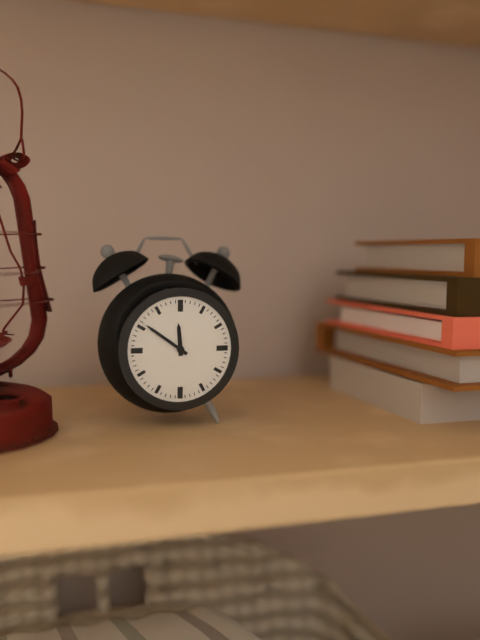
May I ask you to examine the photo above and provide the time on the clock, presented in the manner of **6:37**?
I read **11:51**
